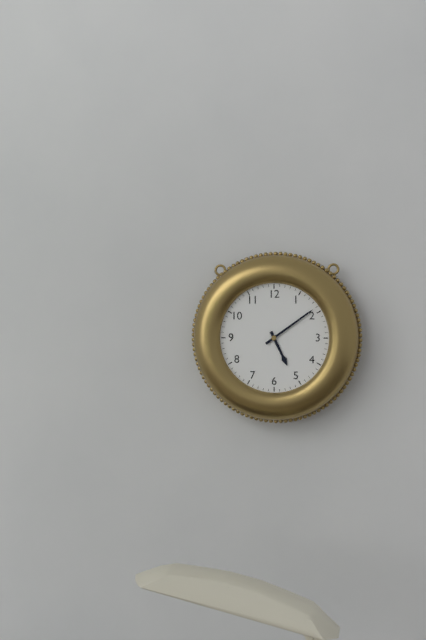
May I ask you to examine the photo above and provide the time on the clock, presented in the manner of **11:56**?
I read **5:09**
